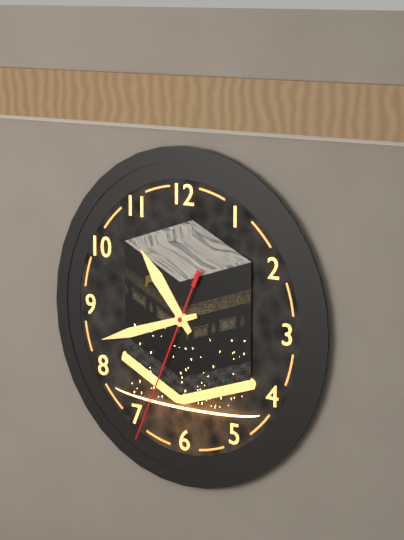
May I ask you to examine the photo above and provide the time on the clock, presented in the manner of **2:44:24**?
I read **10:42:34**
